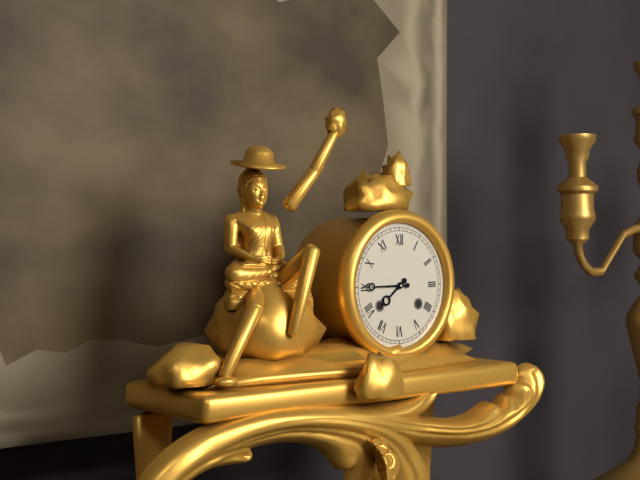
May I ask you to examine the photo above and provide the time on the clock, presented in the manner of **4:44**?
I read **7:45**
